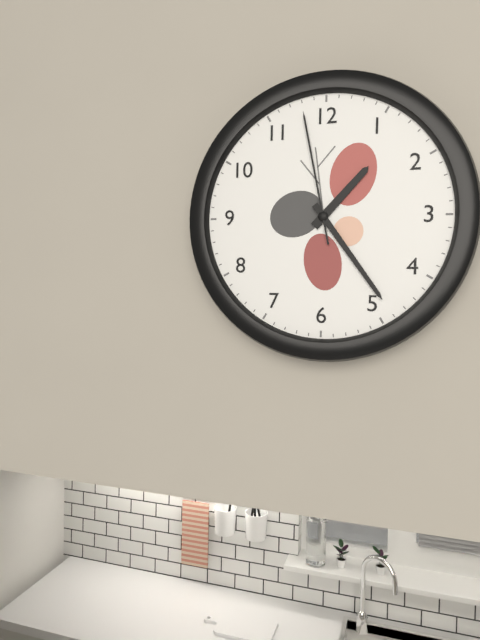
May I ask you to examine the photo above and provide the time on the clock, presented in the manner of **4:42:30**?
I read **1:24:58**
